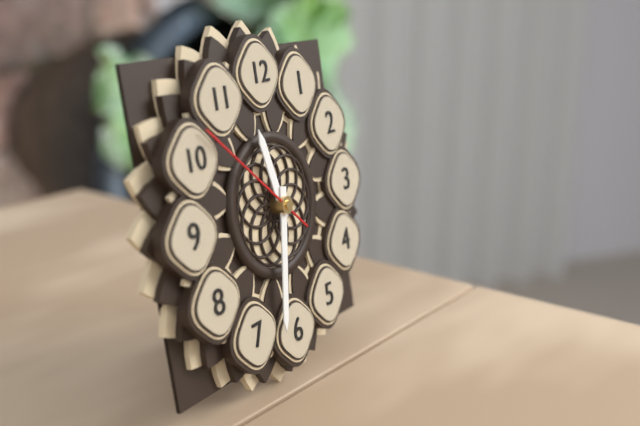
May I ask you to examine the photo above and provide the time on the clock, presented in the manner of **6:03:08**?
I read **11:32:52**
